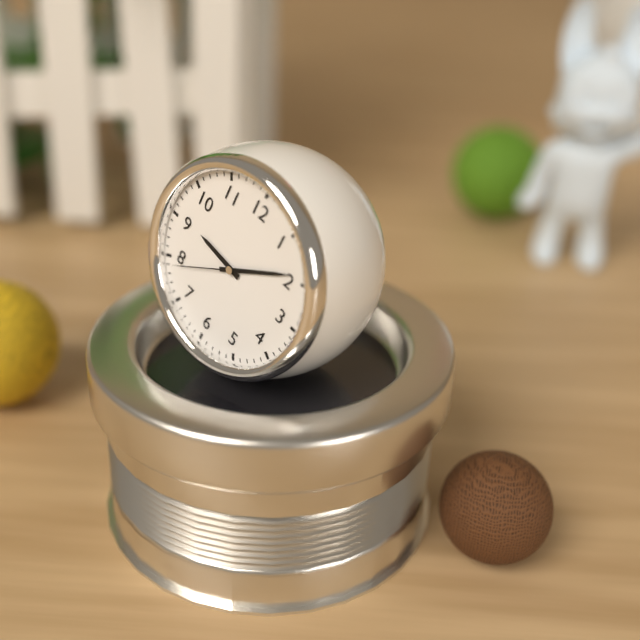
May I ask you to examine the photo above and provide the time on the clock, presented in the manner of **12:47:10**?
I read **9:09:39**
